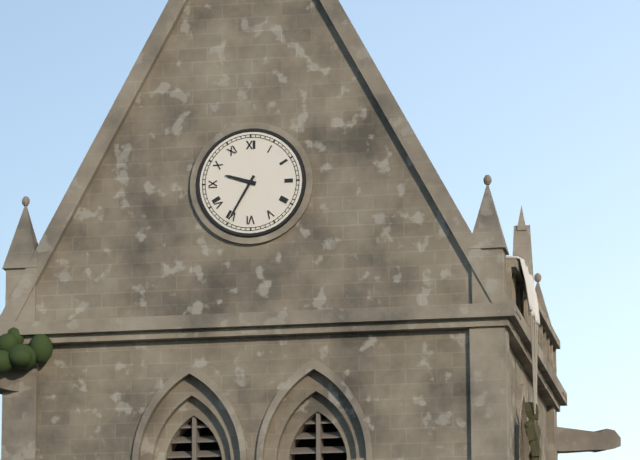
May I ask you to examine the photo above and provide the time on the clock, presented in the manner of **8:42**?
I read **9:35**
